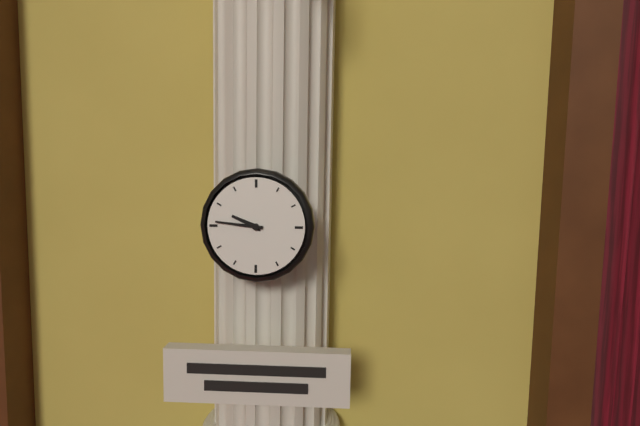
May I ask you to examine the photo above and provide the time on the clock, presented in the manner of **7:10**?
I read **9:46**
